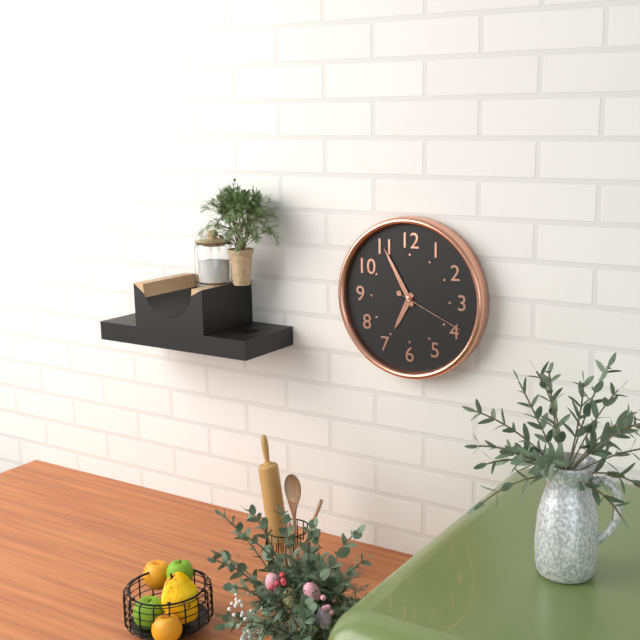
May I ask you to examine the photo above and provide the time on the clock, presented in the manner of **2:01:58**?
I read **6:55:19**
